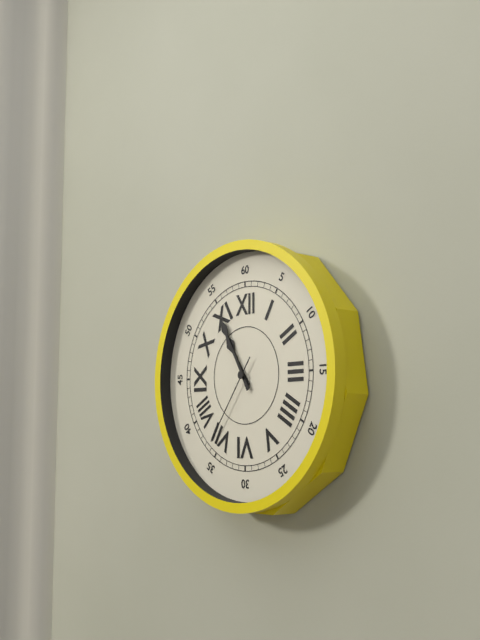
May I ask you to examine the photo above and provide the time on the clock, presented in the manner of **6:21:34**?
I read **10:55:36**
